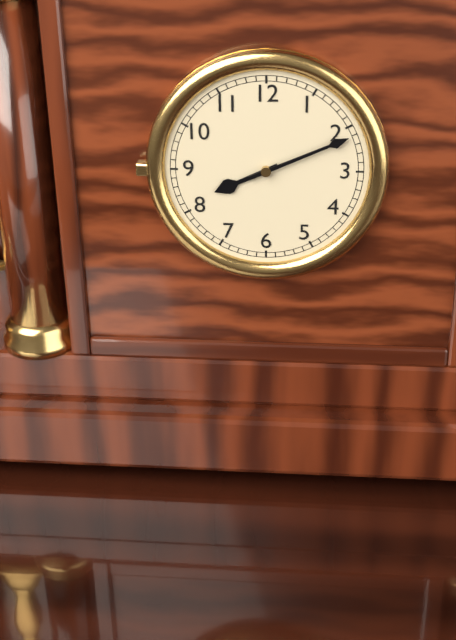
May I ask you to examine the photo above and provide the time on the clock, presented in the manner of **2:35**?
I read **8:11**
